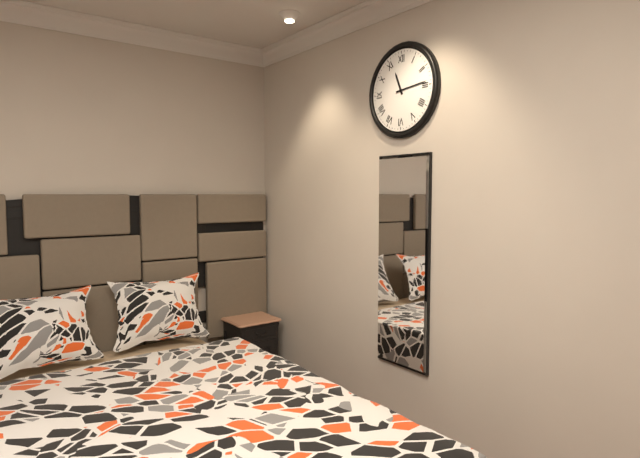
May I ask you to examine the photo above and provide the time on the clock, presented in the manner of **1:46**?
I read **11:14**
